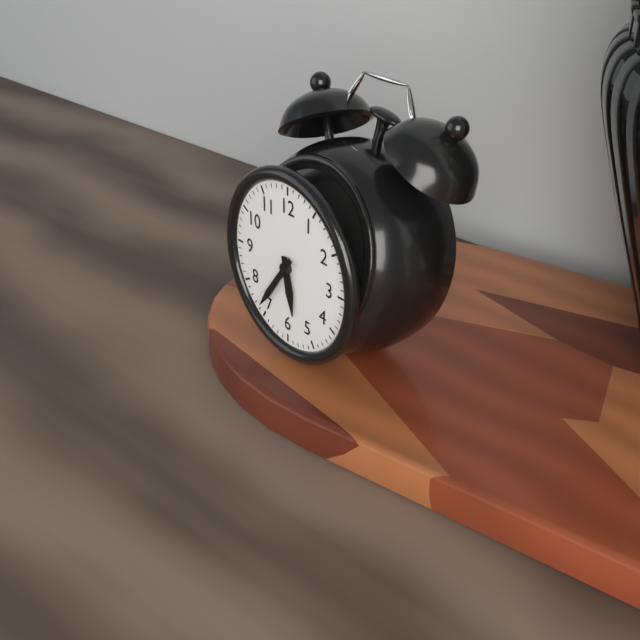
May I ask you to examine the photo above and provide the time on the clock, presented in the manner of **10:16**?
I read **5:36**
